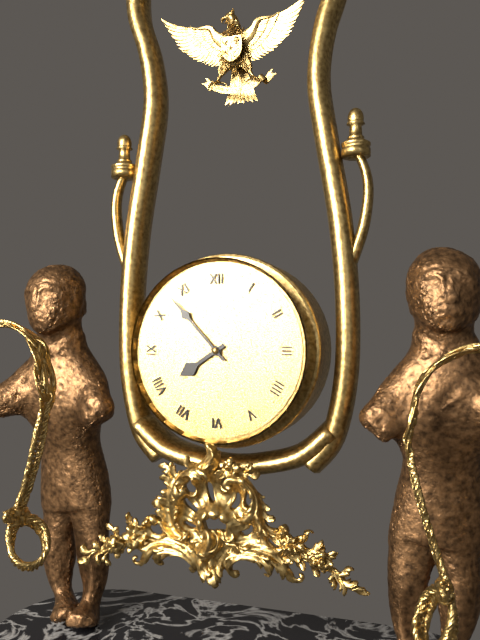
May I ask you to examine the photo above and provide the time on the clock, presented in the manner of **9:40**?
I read **7:53**
